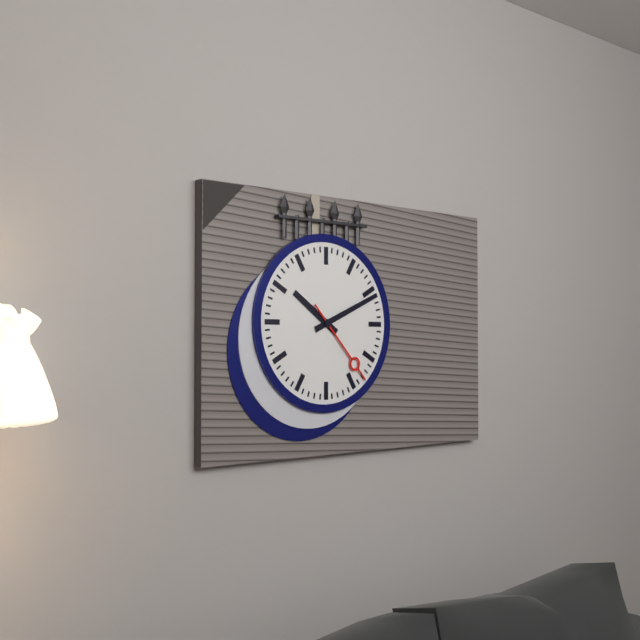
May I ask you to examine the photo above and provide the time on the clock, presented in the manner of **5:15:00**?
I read **10:11:23**
